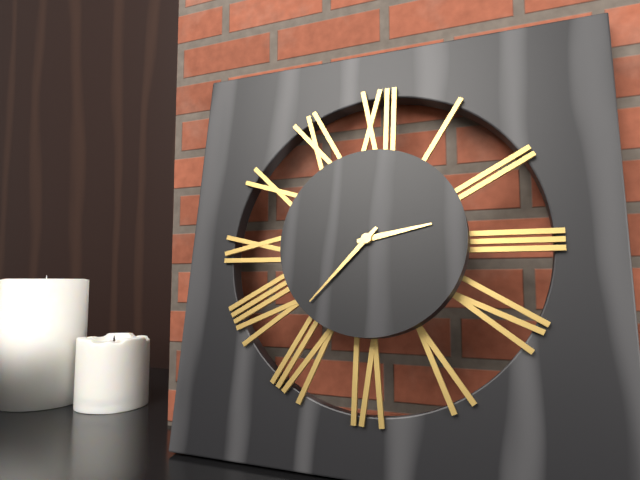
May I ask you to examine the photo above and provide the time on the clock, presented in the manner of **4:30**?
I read **2:37**
